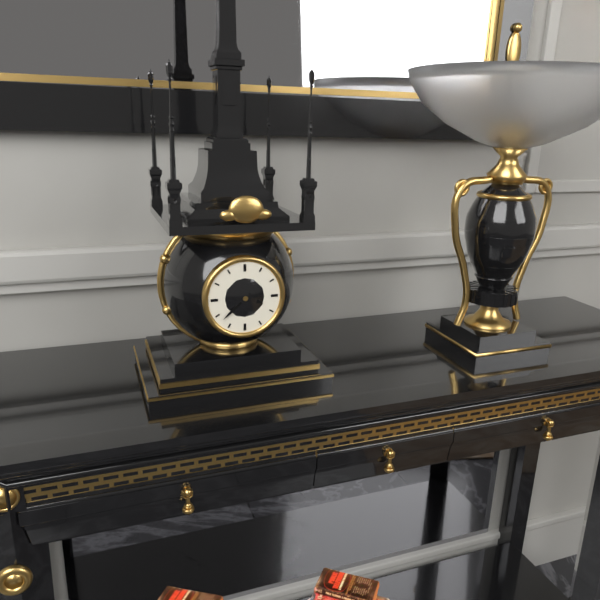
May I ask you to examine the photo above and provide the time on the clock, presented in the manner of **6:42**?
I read **3:38**
